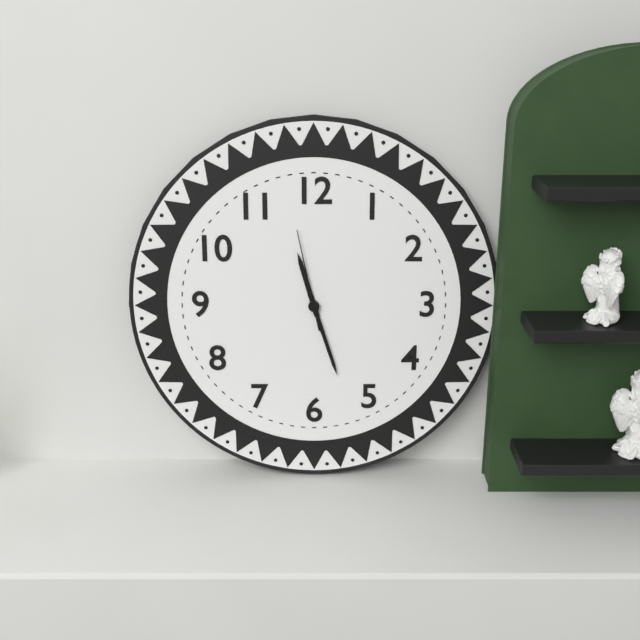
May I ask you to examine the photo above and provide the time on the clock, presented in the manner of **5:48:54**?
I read **11:27:58**
